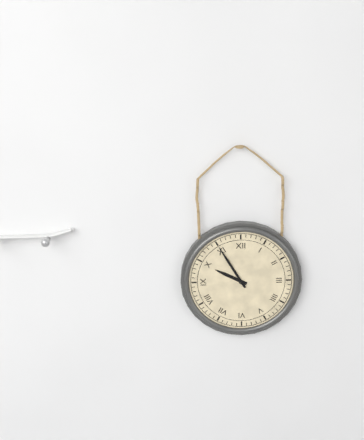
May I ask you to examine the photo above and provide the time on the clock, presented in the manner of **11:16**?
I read **9:55**
